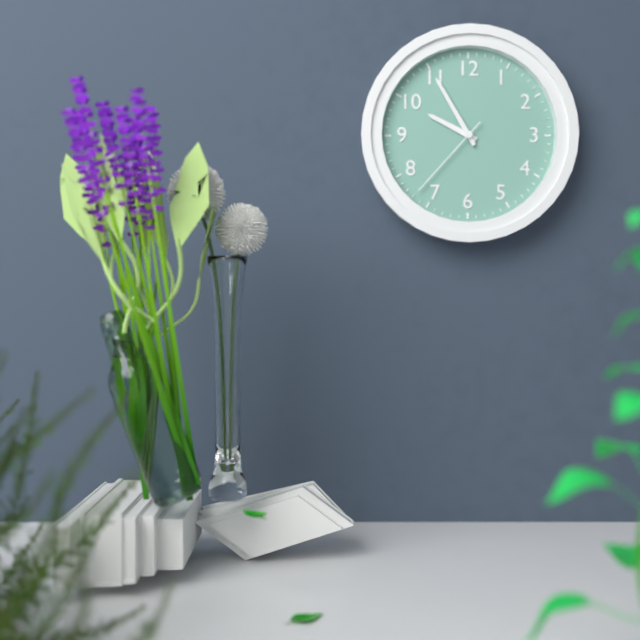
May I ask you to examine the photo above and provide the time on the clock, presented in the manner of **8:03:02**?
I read **9:55:37**
